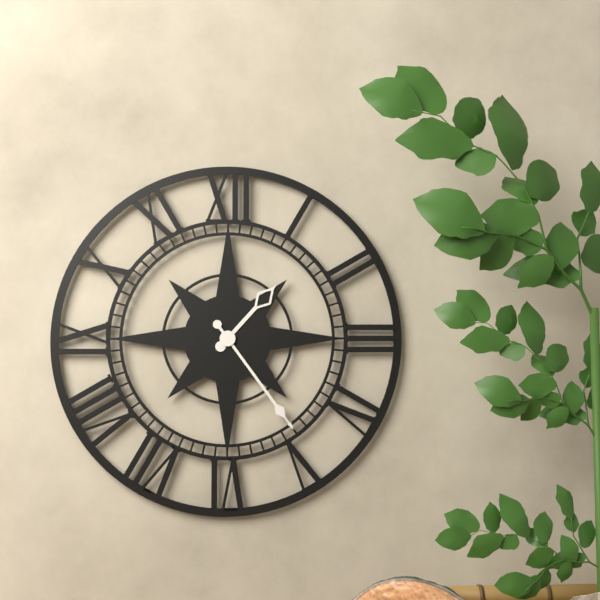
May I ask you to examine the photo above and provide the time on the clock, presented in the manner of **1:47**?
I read **1:24**
